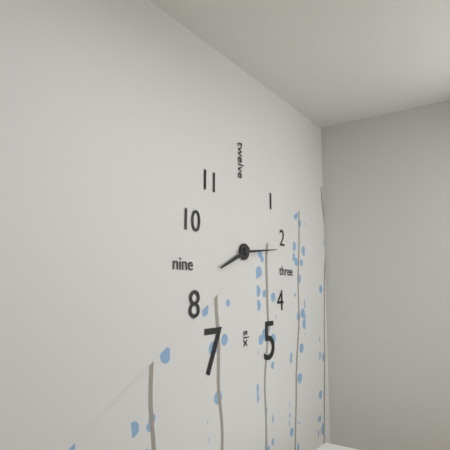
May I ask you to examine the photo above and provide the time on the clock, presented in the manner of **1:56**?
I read **8:14**
